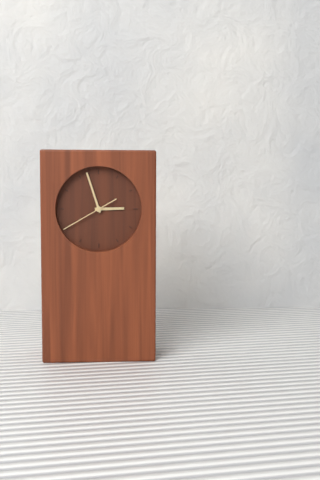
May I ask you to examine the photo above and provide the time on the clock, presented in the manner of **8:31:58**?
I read **2:57:40**
